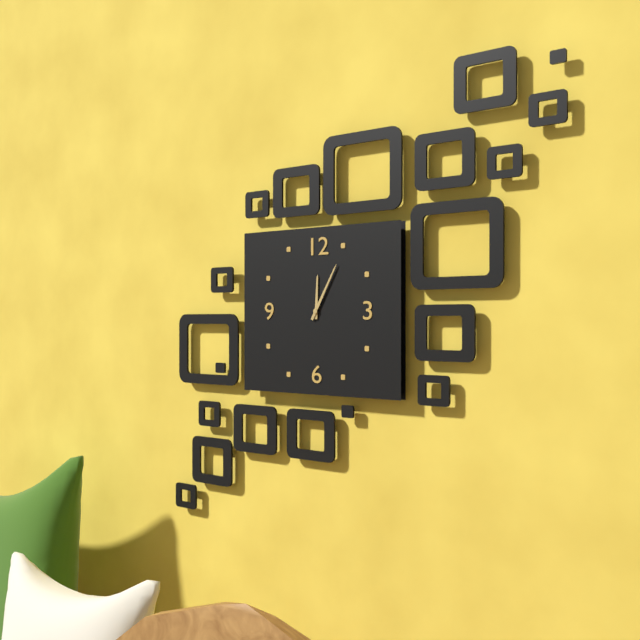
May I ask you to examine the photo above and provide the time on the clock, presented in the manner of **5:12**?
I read **12:05**
